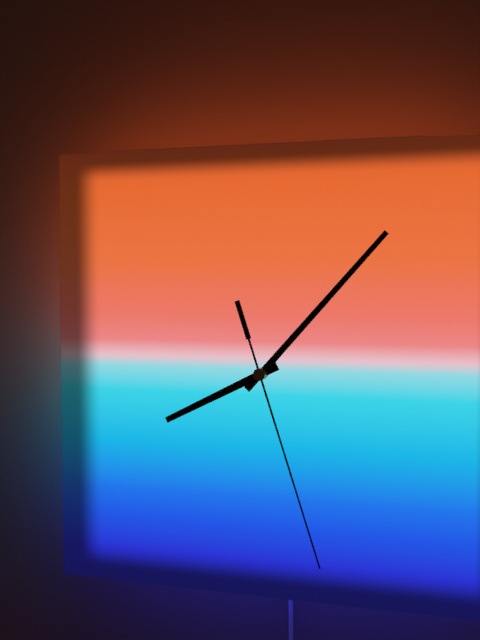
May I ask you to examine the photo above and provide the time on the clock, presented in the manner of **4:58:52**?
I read **8:07:27**
